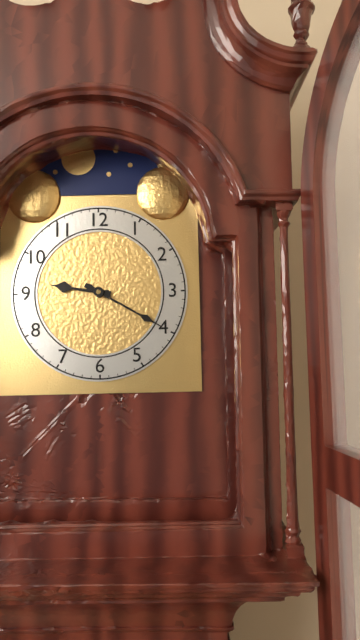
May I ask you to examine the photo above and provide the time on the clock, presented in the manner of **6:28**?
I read **9:20**
